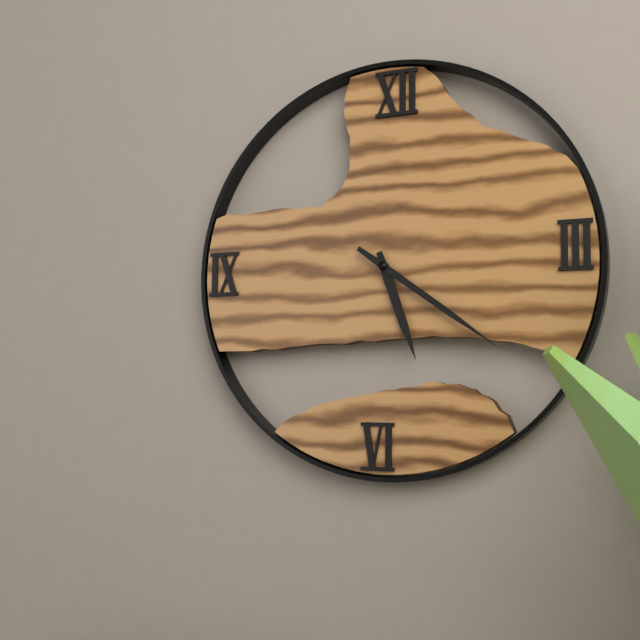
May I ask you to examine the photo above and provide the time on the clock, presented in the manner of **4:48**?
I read **5:21**
